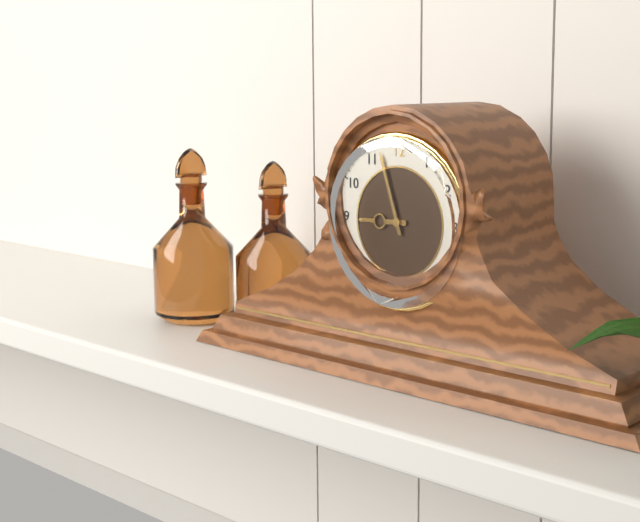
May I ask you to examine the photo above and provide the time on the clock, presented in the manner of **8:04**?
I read **8:57**
